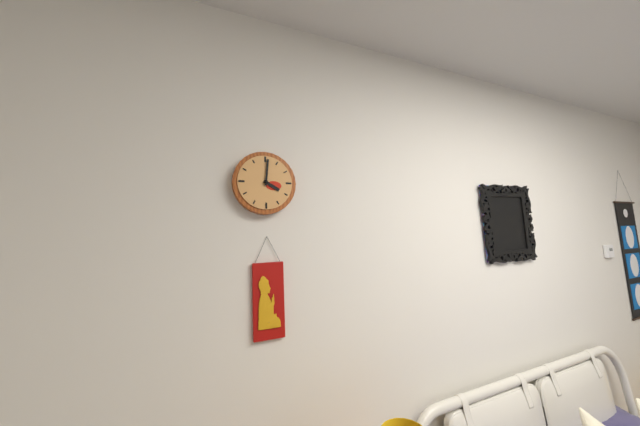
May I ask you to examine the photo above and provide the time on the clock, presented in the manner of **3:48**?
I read **4:01**
